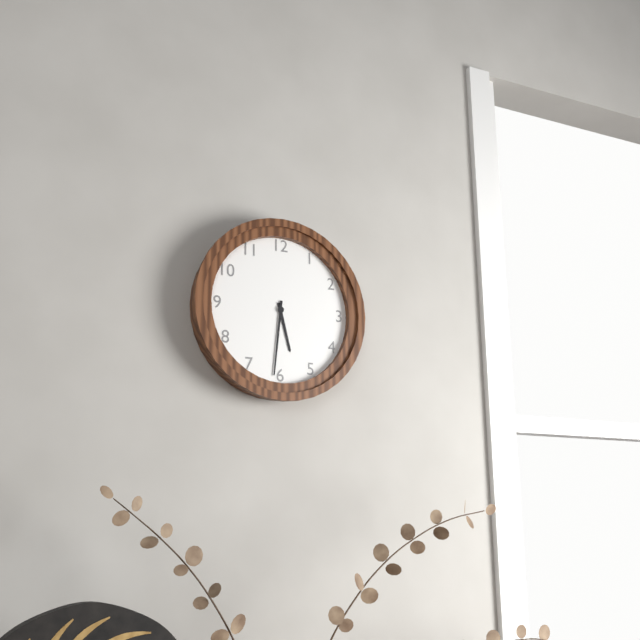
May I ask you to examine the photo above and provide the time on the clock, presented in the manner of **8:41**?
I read **5:31**
